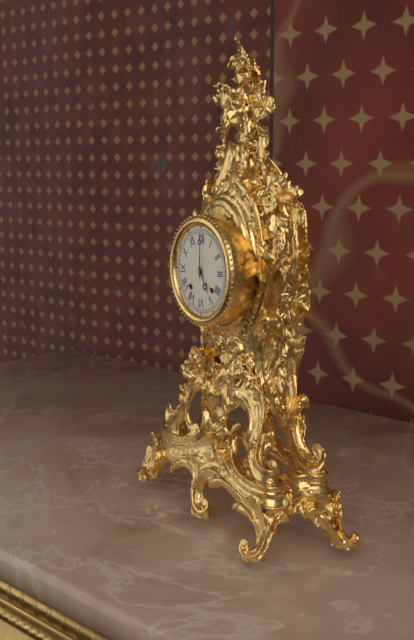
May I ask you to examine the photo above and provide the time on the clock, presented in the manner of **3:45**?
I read **5:00**
